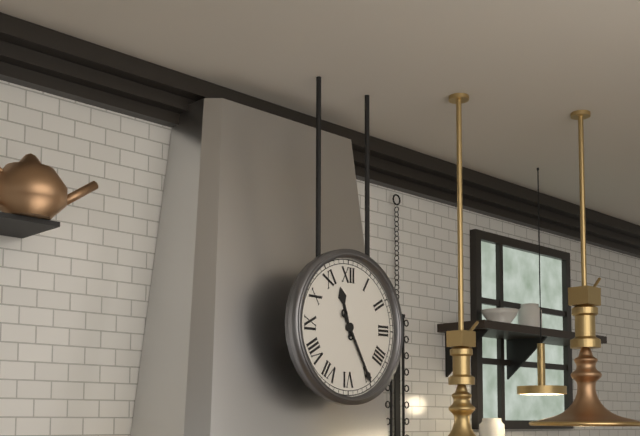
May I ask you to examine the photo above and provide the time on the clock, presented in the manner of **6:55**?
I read **11:25**
